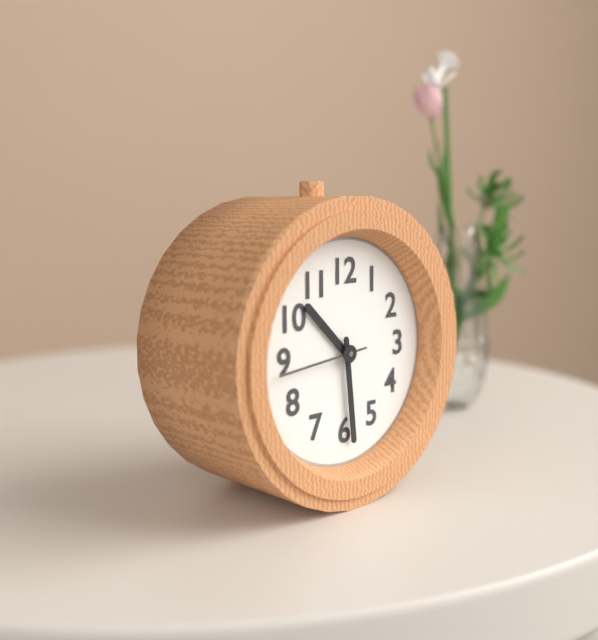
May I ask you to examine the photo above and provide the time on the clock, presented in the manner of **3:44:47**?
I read **10:29:44**
